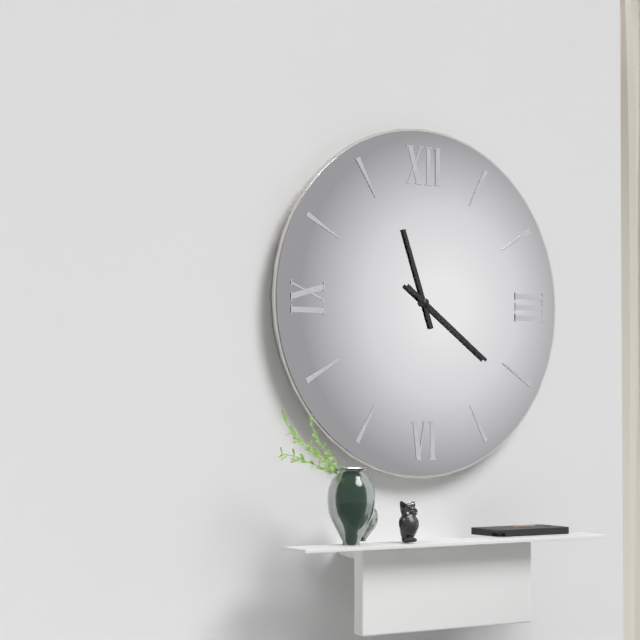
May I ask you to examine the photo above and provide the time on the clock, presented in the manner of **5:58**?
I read **11:21**
